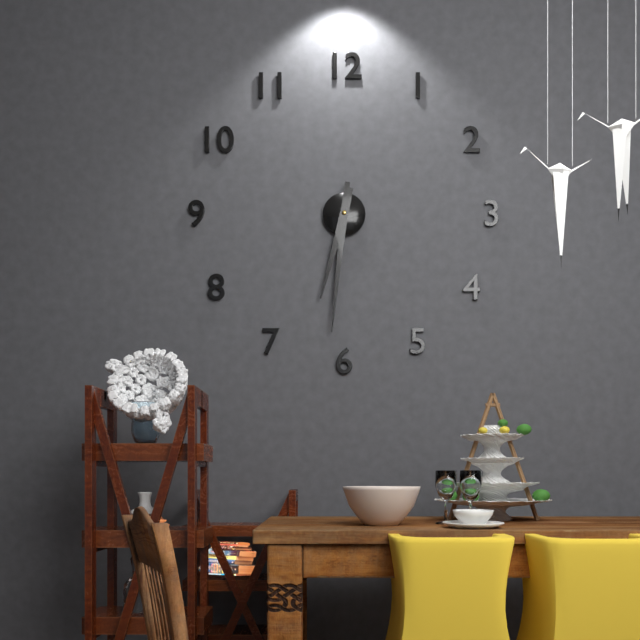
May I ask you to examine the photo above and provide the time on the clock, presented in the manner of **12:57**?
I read **6:31**
